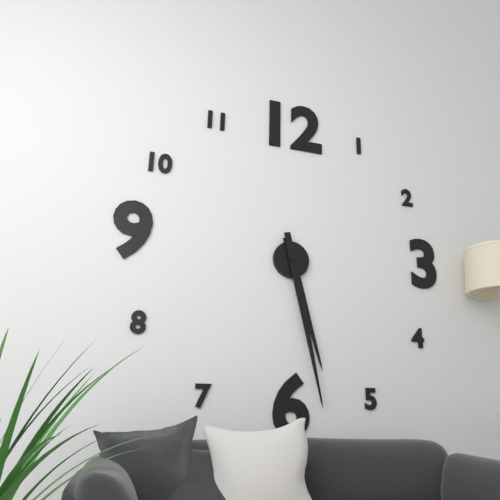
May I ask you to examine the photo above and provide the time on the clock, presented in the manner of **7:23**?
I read **5:28**
